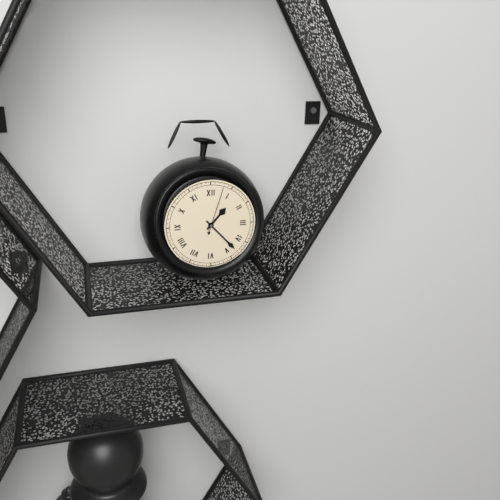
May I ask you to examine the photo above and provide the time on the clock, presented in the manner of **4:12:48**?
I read **1:23:03**
